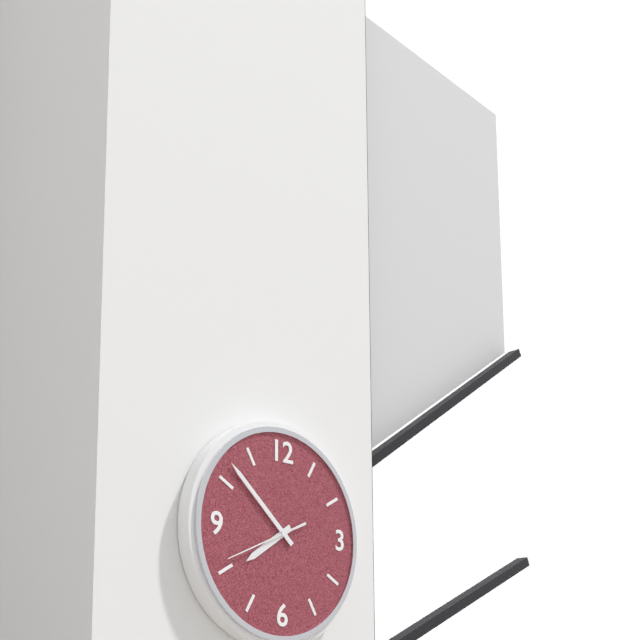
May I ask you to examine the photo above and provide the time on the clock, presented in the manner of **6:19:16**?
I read **7:52:41**
